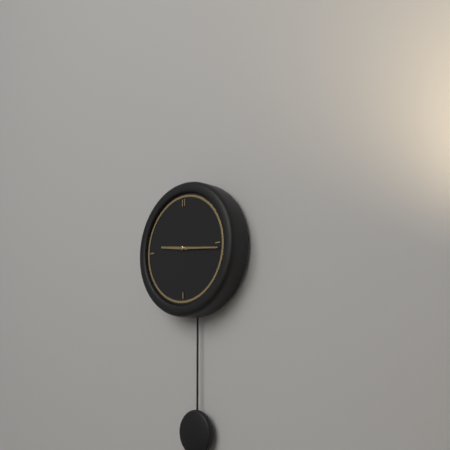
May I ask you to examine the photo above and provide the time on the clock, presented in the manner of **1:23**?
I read **9:16**
